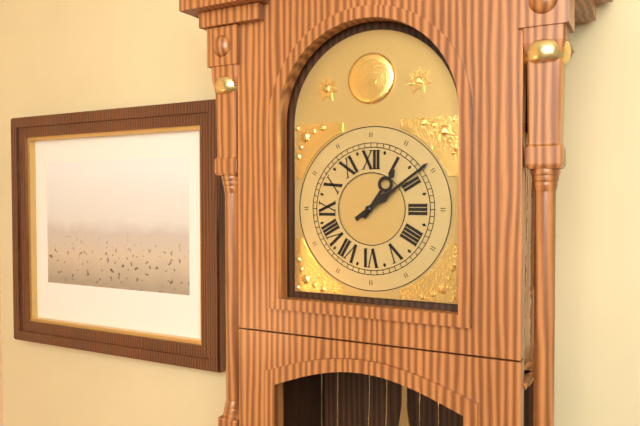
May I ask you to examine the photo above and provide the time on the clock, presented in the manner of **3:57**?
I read **1:09**
